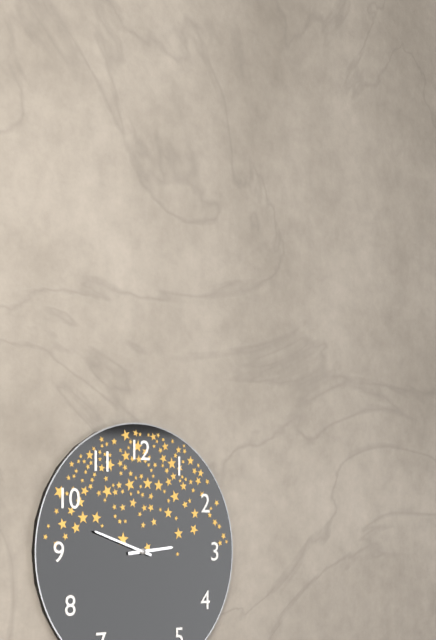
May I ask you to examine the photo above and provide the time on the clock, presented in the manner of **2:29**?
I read **2:48**
